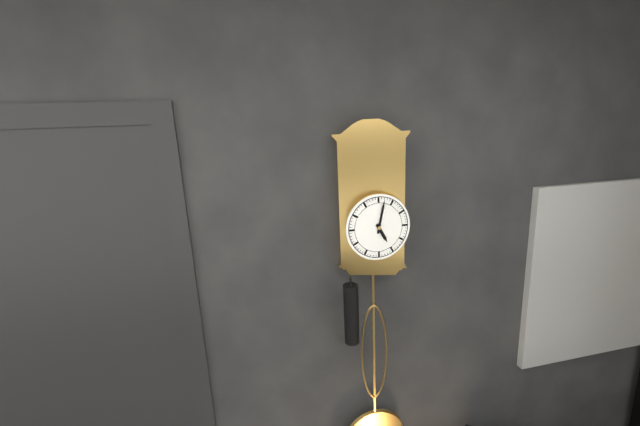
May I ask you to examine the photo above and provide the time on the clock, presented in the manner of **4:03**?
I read **5:02**
